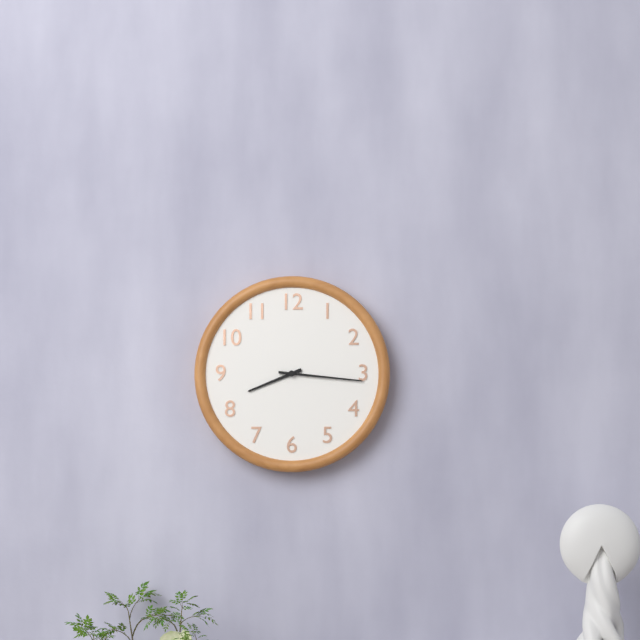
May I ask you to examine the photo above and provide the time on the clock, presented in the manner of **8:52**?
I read **8:16**
